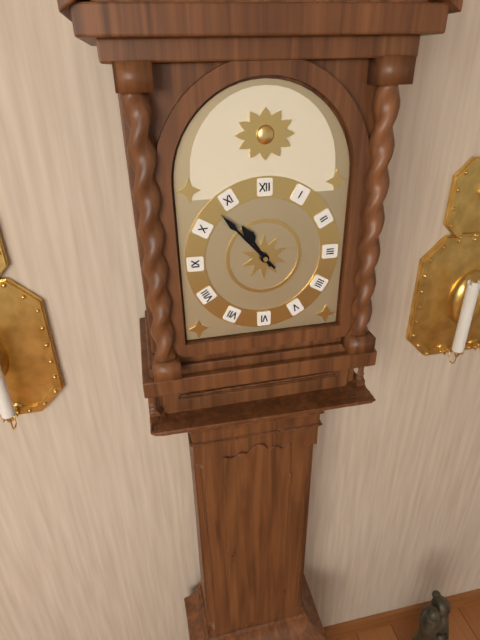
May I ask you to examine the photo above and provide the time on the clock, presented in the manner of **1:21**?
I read **10:53**
